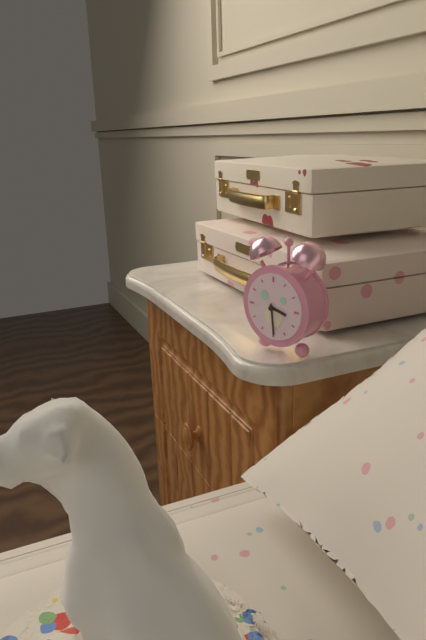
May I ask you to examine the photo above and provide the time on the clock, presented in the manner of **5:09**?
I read **3:29**
